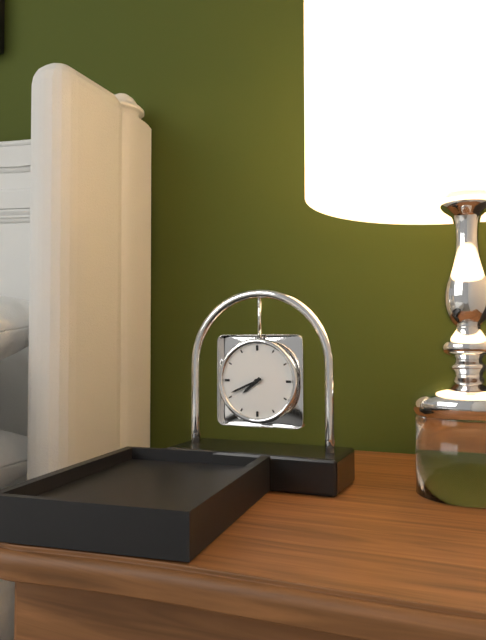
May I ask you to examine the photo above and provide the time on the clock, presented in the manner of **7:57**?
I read **7:41**
